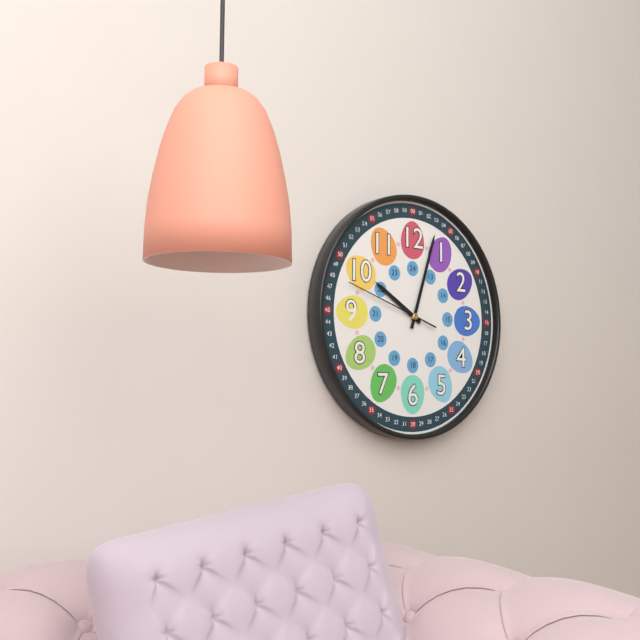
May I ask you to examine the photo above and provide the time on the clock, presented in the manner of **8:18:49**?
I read **10:03:48**
